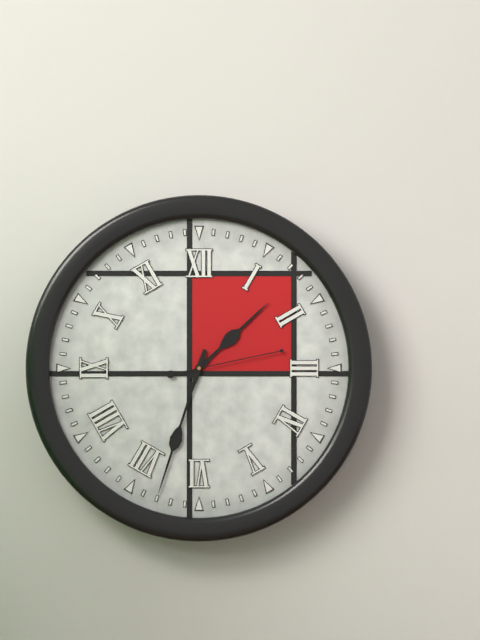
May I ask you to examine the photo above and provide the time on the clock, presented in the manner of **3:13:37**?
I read **1:33:13**
